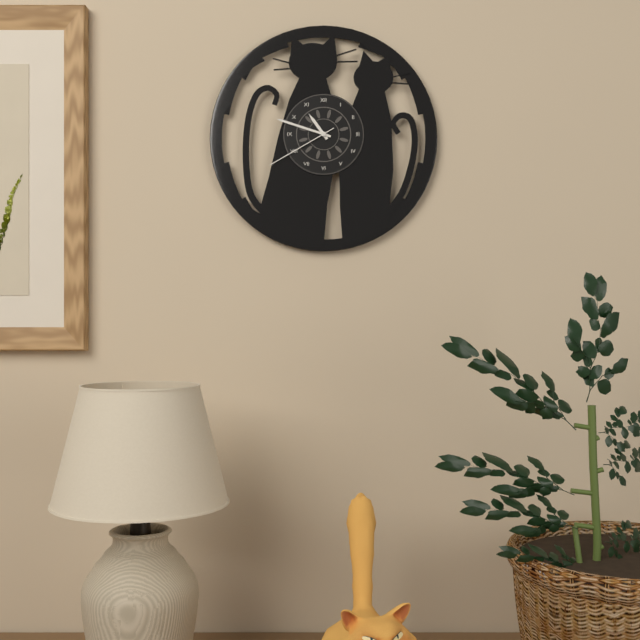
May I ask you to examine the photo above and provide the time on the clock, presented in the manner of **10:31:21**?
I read **10:48:40**
